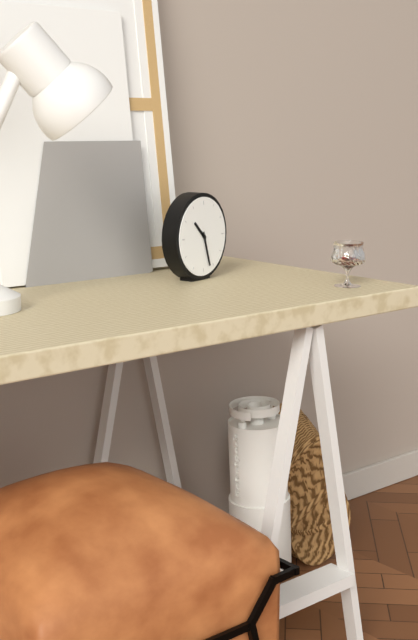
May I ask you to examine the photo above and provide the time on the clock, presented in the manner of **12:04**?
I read **10:27**
